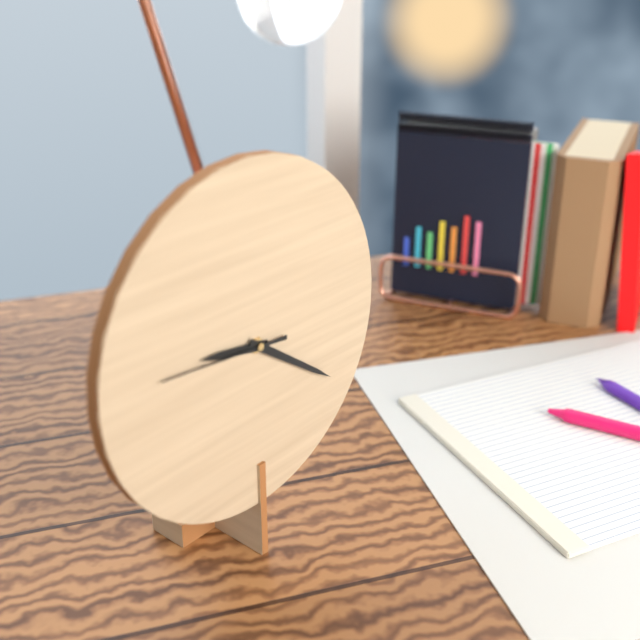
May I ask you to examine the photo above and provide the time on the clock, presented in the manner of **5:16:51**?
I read **9:21:46**
